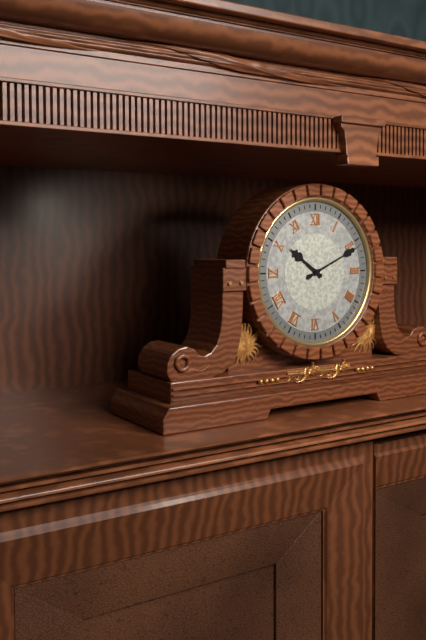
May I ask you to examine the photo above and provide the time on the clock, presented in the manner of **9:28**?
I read **10:11**
